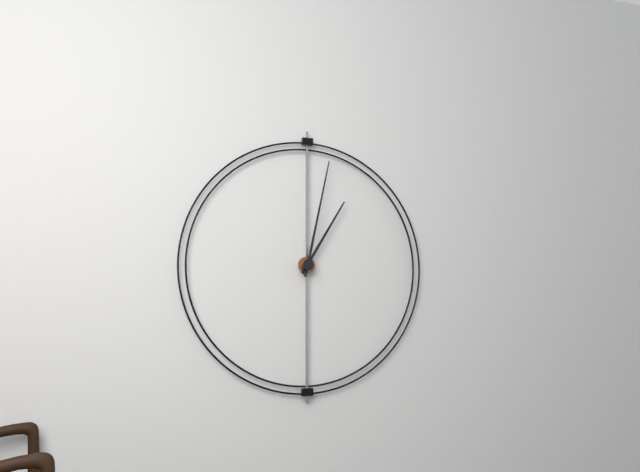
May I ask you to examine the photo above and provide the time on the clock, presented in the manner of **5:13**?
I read **1:02**
